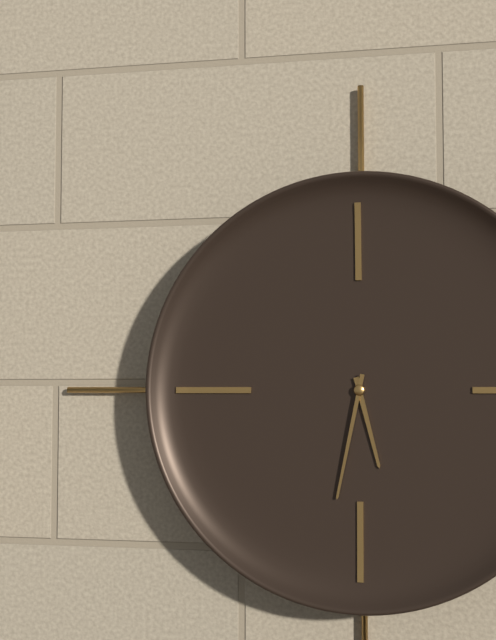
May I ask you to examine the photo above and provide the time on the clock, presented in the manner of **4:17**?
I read **5:32**
